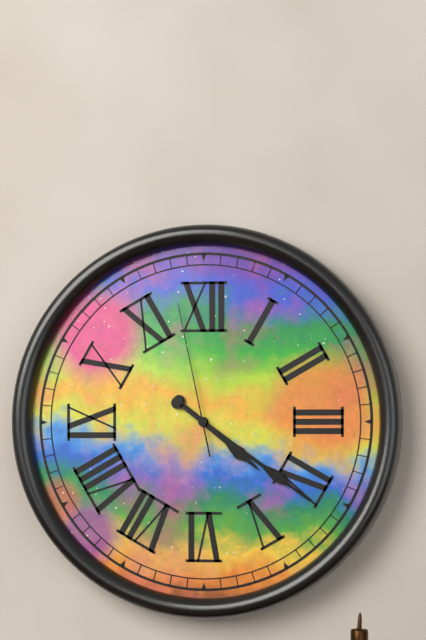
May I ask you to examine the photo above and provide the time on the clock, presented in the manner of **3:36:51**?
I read **4:21:58**
